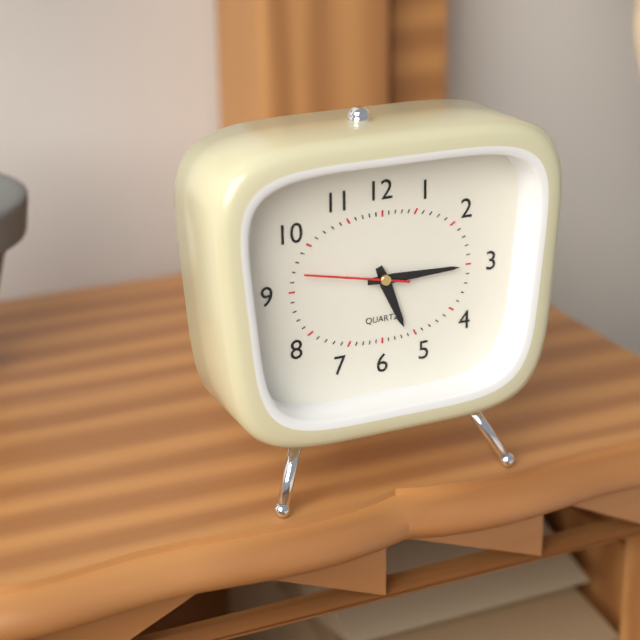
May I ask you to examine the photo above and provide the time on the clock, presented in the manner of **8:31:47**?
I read **5:15:47**
